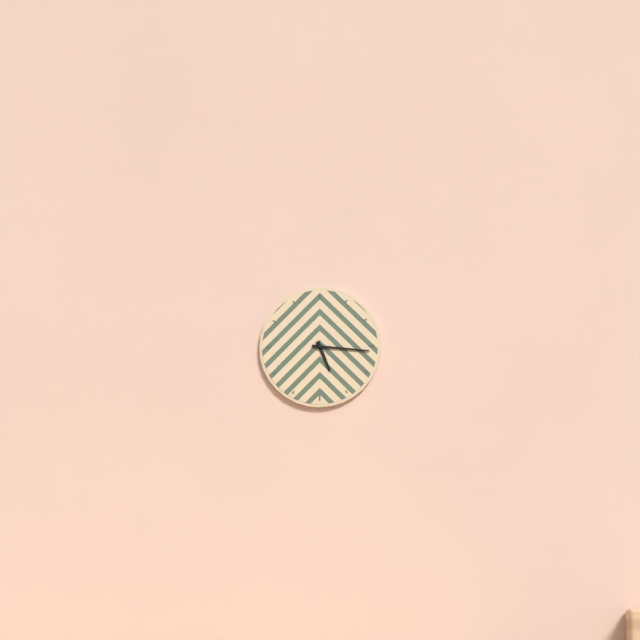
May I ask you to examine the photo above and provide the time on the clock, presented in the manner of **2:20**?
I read **5:16**
